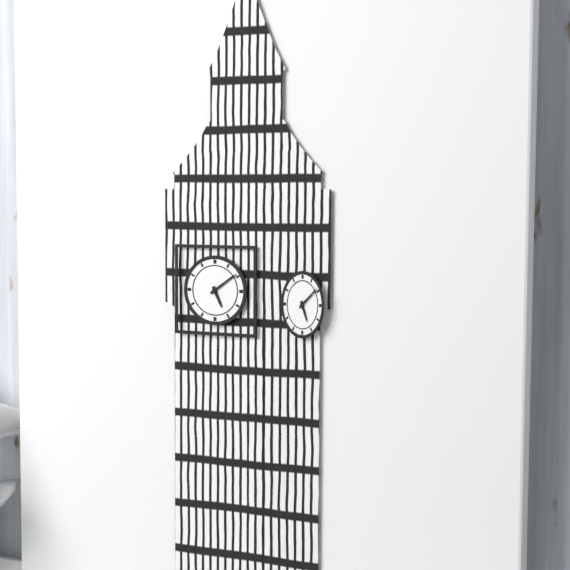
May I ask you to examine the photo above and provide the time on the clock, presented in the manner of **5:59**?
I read **5:09**
